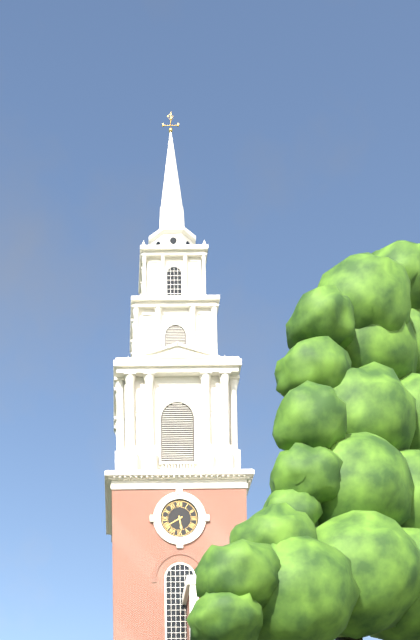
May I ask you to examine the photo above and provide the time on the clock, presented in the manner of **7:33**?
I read **5:40**
